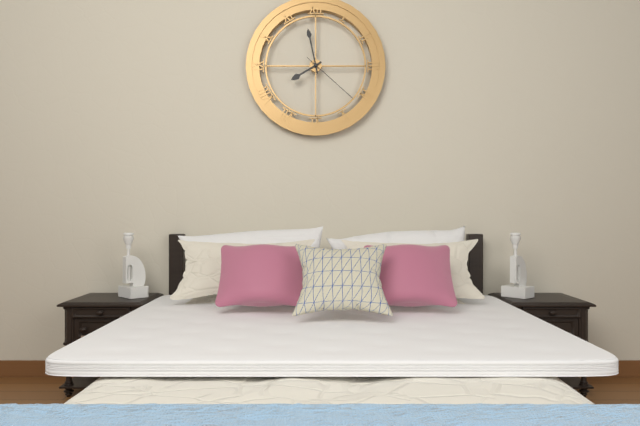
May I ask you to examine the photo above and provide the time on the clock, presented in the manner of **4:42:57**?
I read **7:58:22**
